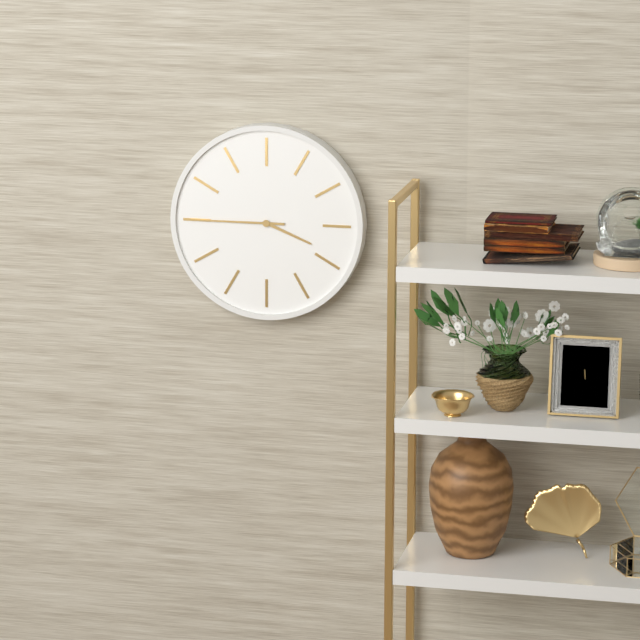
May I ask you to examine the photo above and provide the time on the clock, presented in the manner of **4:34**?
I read **3:45**
